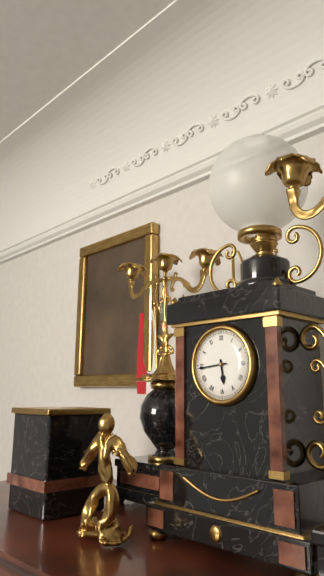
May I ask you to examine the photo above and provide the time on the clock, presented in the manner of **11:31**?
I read **5:44**
